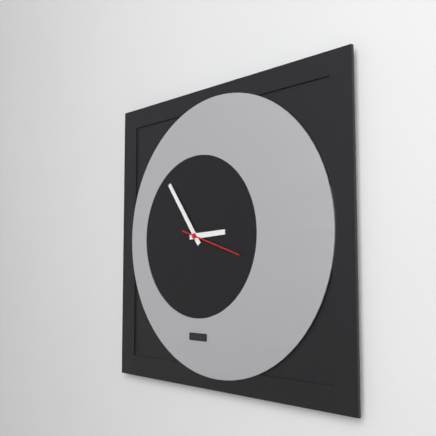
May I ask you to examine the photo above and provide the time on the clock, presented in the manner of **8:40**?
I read **2:54**
